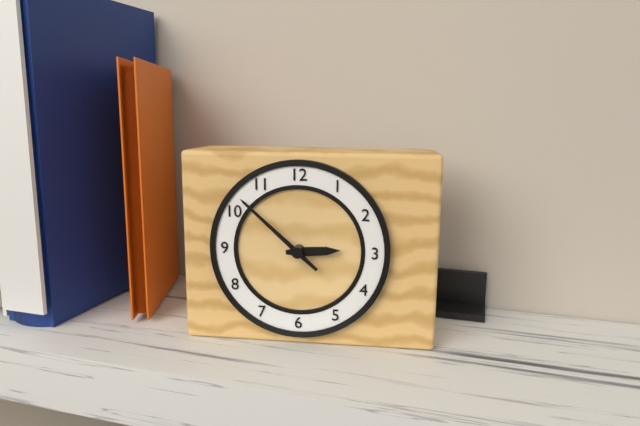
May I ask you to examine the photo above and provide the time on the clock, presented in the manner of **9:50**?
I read **2:52**
